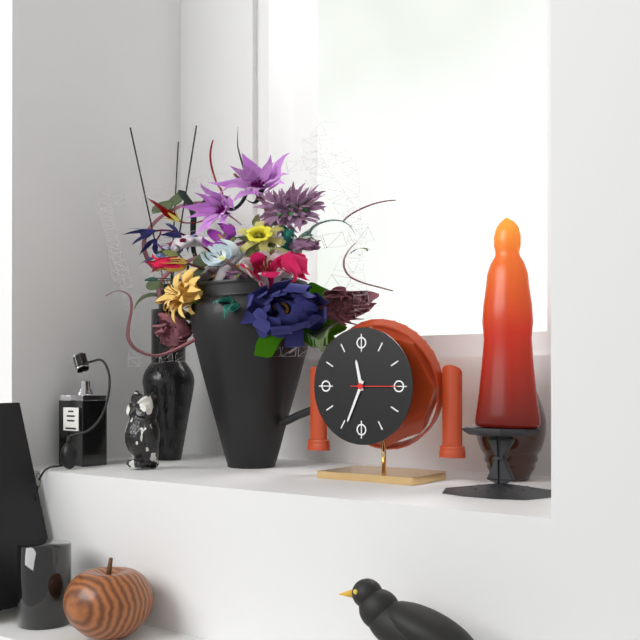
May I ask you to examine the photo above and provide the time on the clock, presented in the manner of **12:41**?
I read **11:34**
